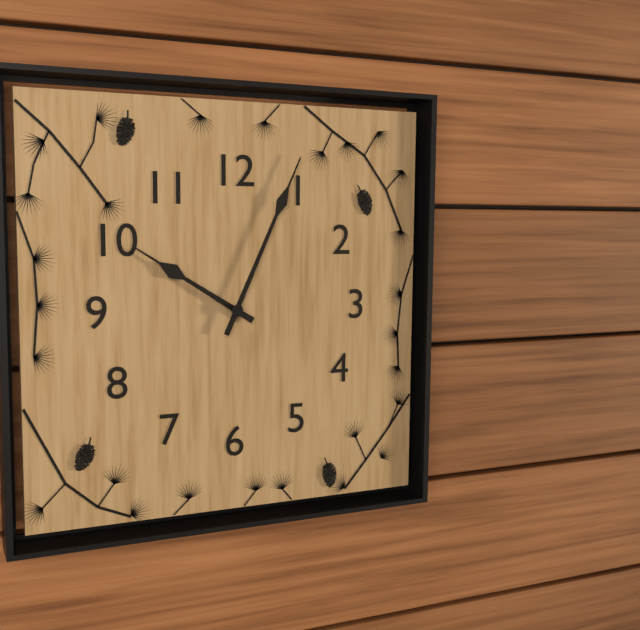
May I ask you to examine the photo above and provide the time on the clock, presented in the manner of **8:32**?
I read **10:04**
